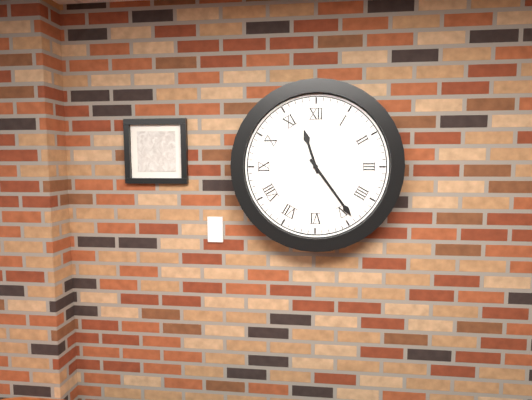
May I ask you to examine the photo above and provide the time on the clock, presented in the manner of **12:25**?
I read **11:24**
